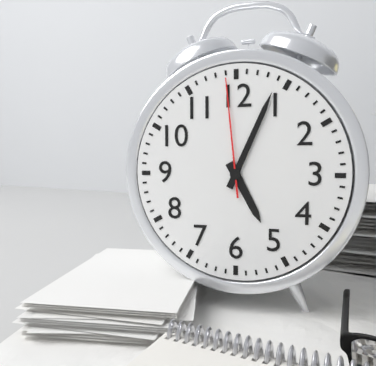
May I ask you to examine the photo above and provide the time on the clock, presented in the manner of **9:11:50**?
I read **5:04:59**
